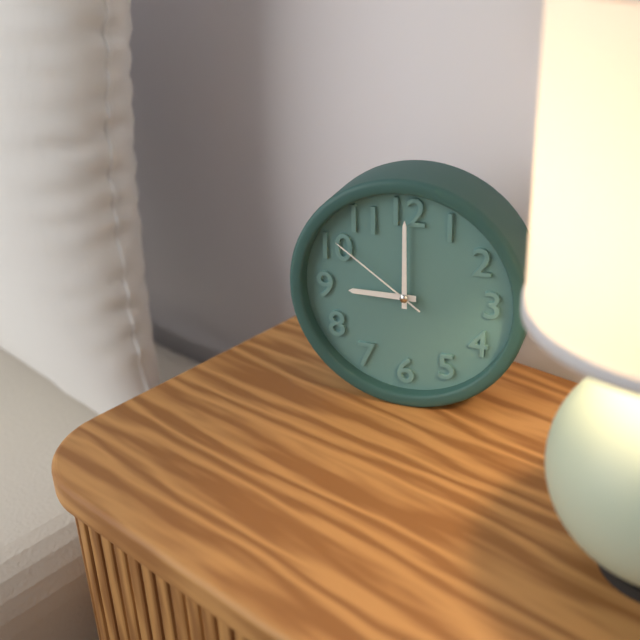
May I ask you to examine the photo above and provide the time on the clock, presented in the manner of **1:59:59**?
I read **9:00:51**
